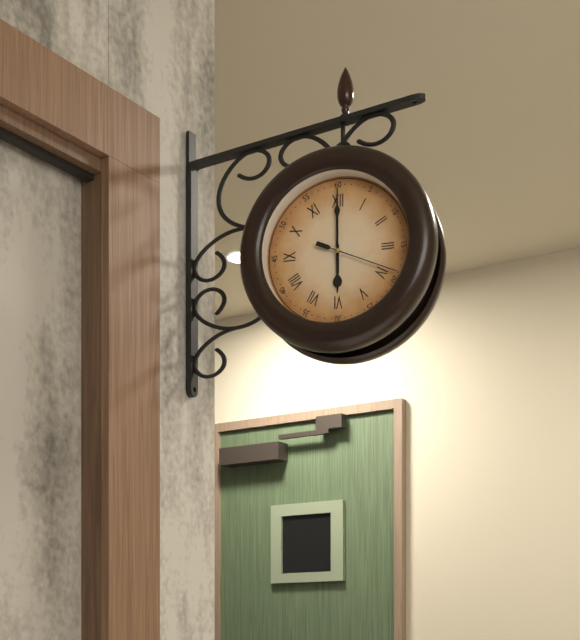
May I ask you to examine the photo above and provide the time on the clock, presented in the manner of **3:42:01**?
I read **6:00:19**
